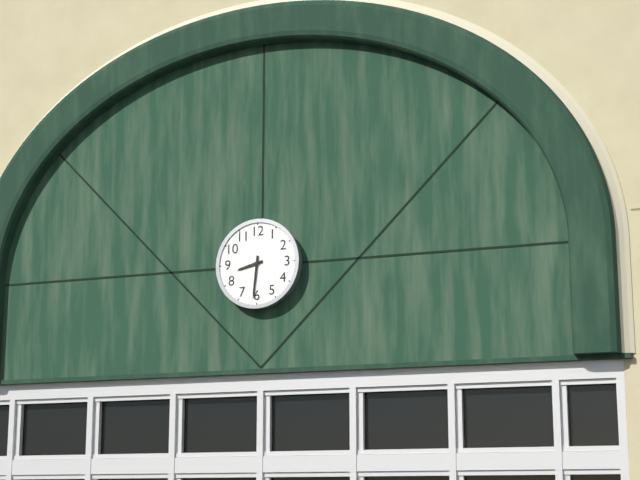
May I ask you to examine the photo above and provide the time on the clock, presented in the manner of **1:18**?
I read **8:31**
